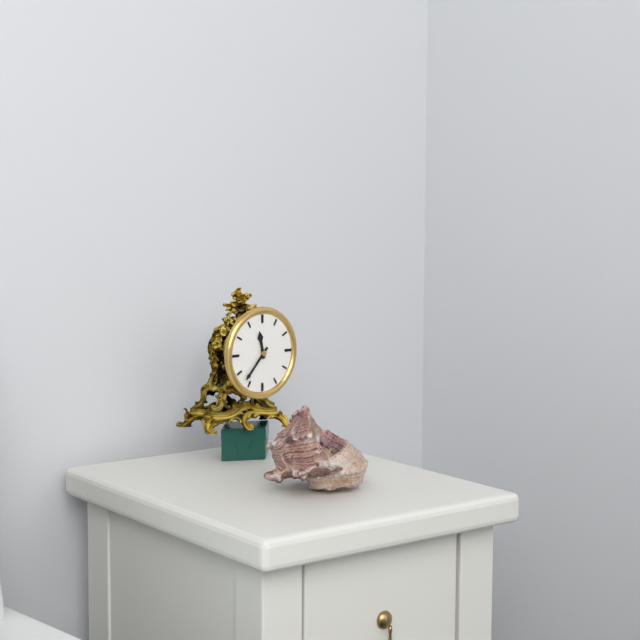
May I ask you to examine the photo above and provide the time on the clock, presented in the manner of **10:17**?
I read **11:37**
